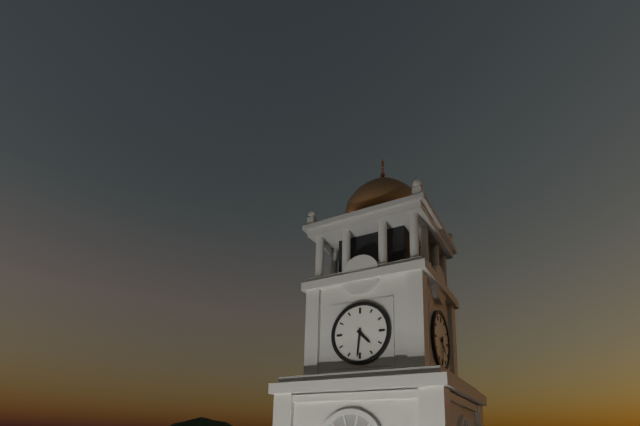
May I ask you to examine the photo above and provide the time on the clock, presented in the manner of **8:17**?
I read **4:31**
